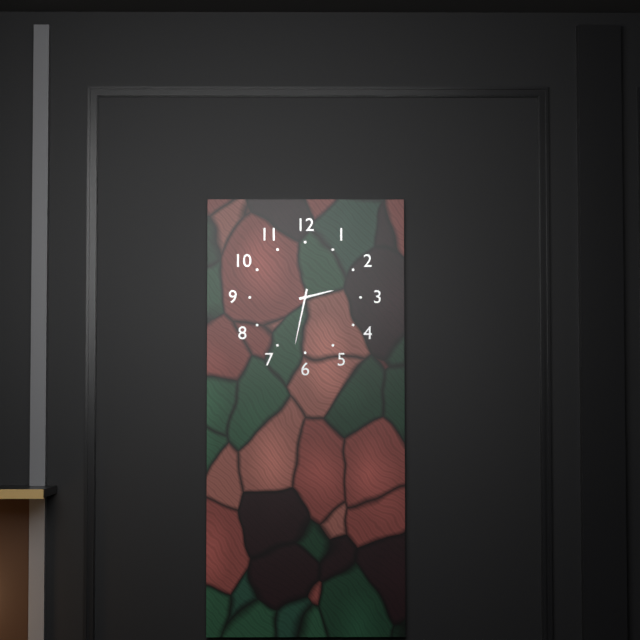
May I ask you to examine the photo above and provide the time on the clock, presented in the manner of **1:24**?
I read **2:32**
